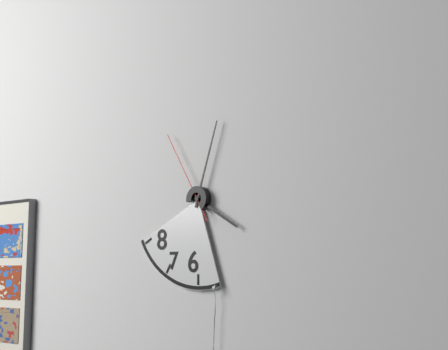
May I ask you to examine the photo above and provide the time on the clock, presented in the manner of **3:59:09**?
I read **4:03:55**
